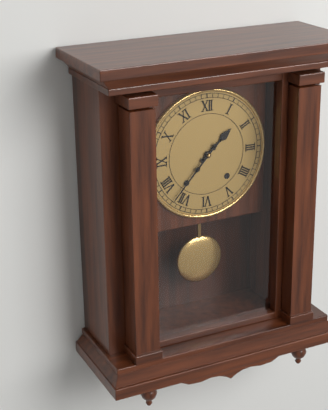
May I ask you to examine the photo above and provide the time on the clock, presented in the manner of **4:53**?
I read **1:37**
